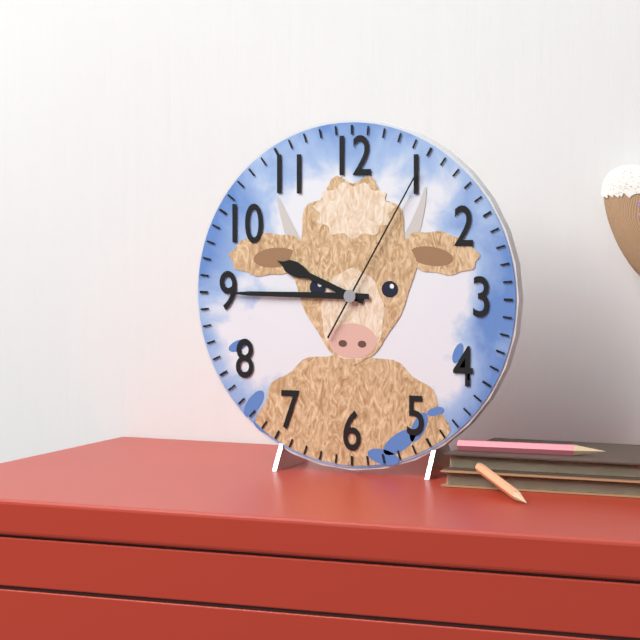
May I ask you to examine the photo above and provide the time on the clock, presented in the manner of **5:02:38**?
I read **9:45:05**
